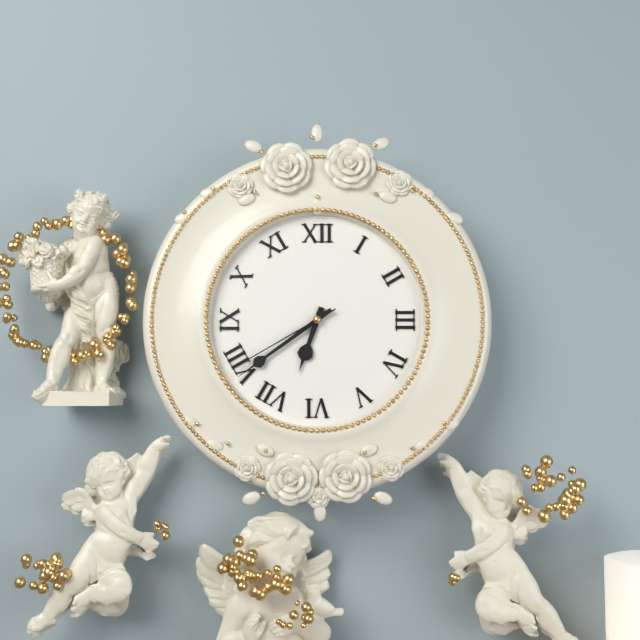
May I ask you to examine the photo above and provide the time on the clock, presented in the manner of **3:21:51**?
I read **6:39:40**
